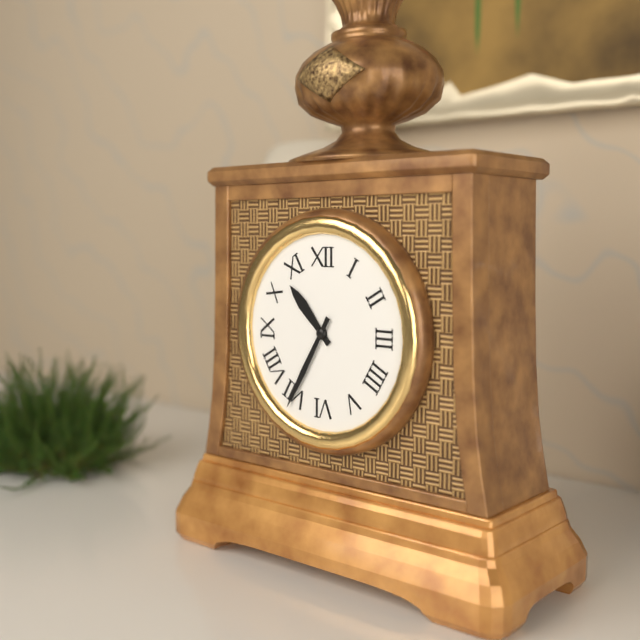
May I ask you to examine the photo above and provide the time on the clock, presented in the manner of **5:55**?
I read **10:35**
